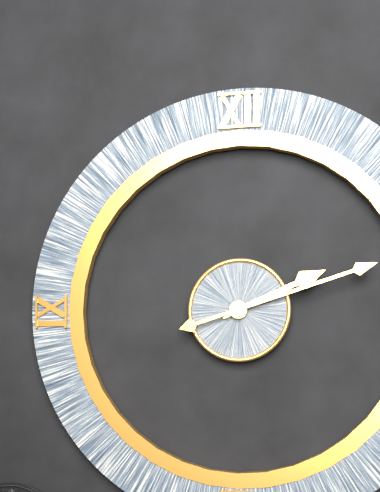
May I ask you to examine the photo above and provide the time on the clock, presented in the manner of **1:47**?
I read **2:12**
